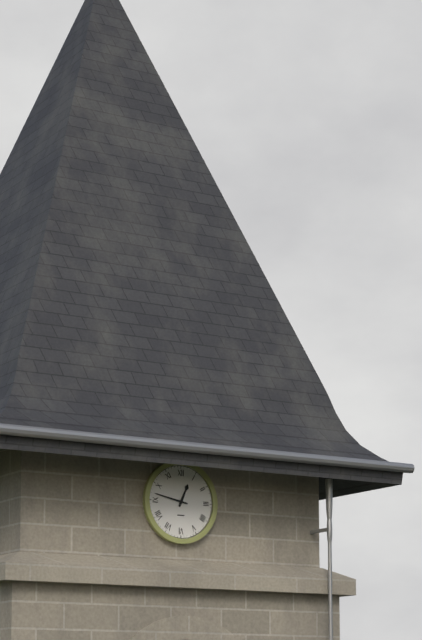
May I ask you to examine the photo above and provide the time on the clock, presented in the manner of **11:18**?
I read **12:47**
